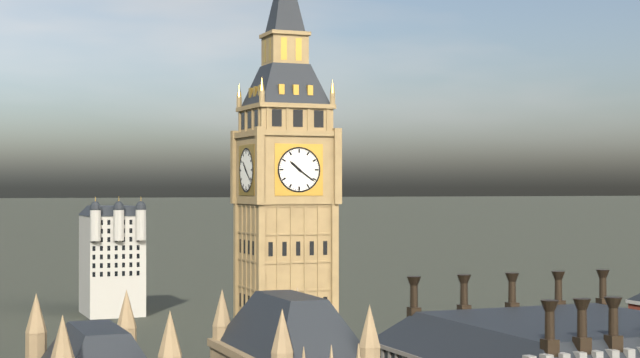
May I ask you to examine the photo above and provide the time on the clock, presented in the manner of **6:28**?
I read **10:21**
